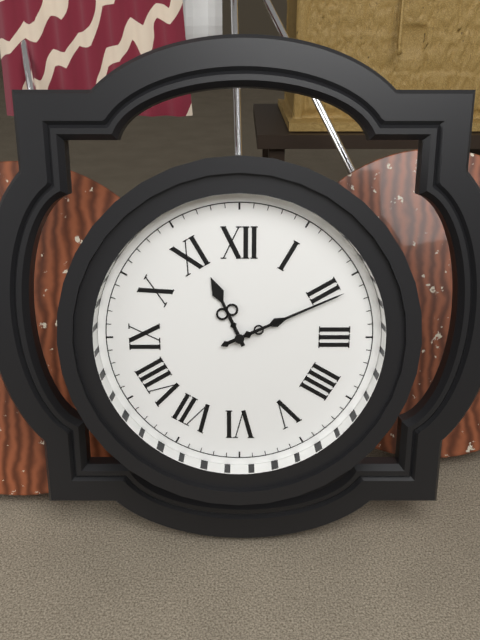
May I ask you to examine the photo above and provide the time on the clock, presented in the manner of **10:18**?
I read **11:11**
